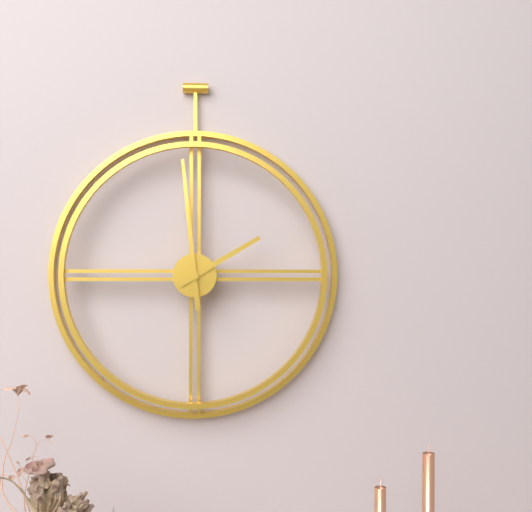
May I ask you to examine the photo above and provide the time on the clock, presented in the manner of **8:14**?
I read **1:59**
